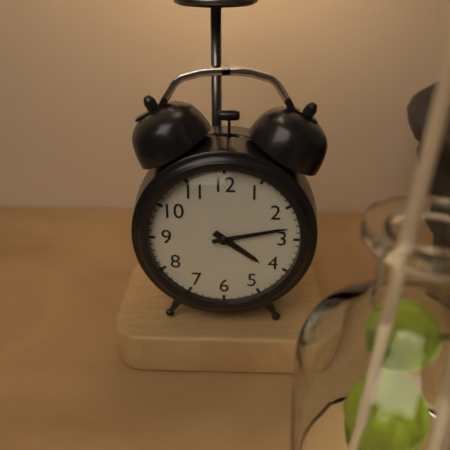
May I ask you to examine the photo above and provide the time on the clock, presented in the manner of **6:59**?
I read **4:13**
